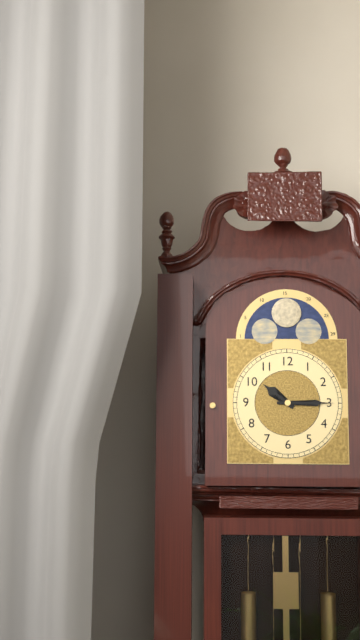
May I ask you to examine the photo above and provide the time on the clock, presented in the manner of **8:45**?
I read **10:15**
